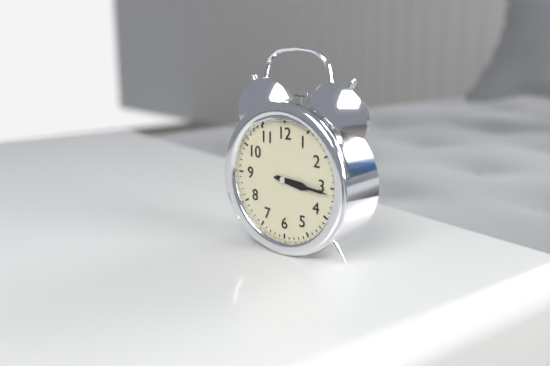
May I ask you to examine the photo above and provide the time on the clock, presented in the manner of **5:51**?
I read **3:16**
